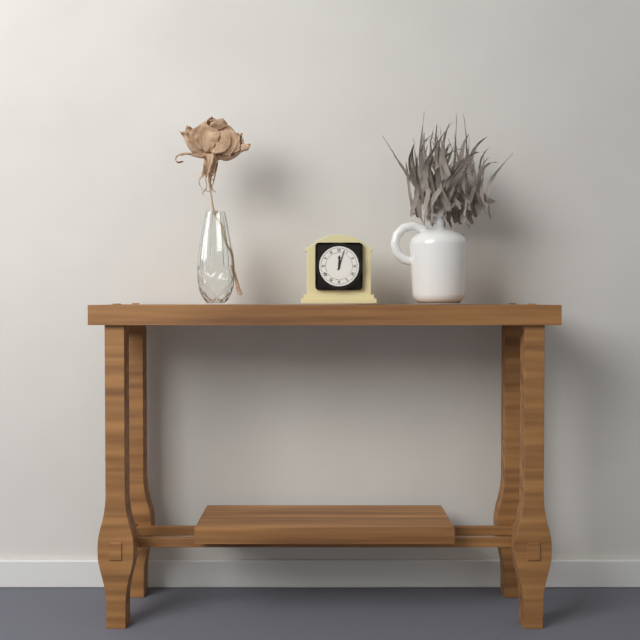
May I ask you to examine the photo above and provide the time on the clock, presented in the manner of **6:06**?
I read **12:03**
